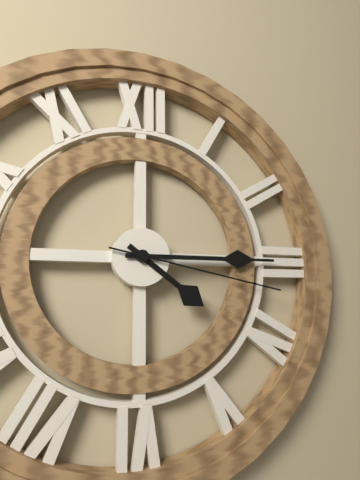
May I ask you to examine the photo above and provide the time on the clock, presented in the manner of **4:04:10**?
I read **4:15:17**
